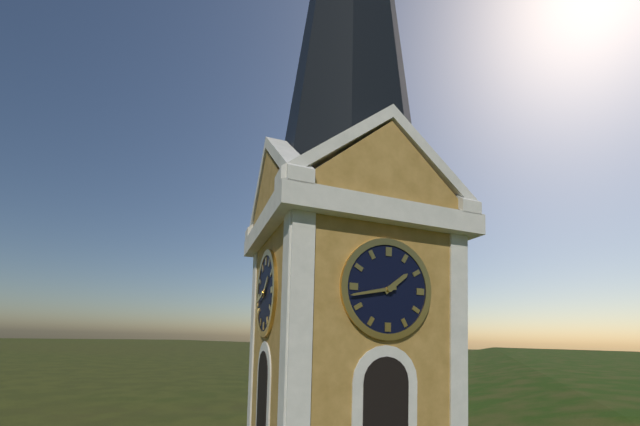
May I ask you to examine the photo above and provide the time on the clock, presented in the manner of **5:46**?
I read **1:43**
